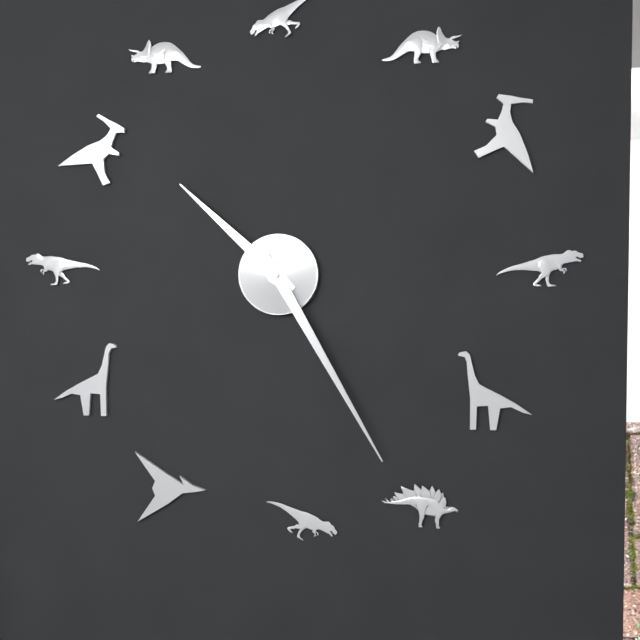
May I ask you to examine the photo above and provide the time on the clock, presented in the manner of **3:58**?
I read **10:25**
